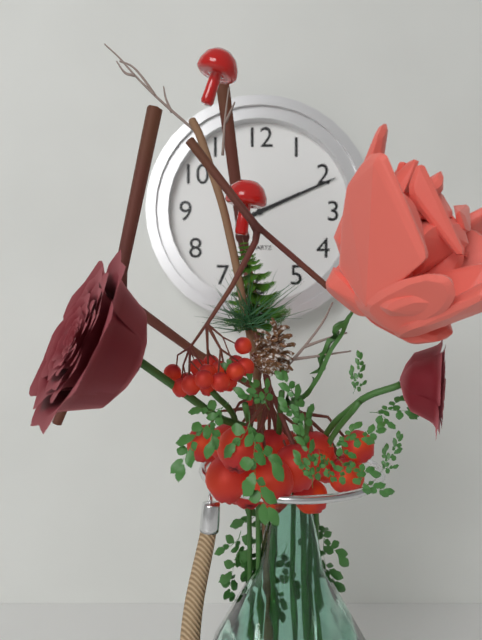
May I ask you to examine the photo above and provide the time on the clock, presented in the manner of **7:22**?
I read **2:11**
